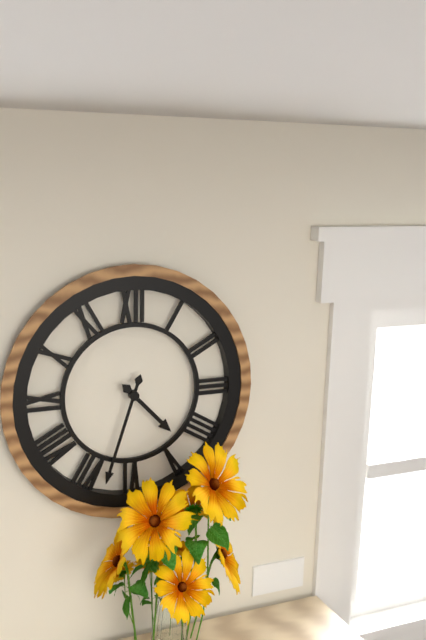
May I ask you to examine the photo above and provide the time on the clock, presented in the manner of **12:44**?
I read **4:33**
